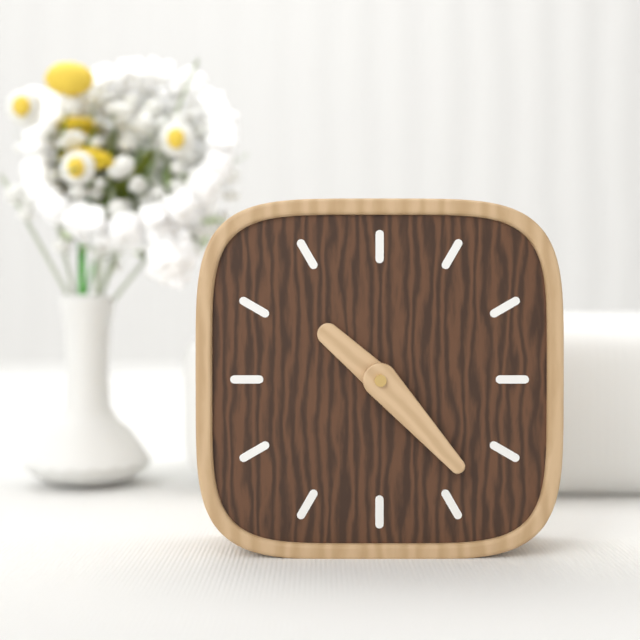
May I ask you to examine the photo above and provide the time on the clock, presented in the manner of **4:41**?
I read **10:23**
